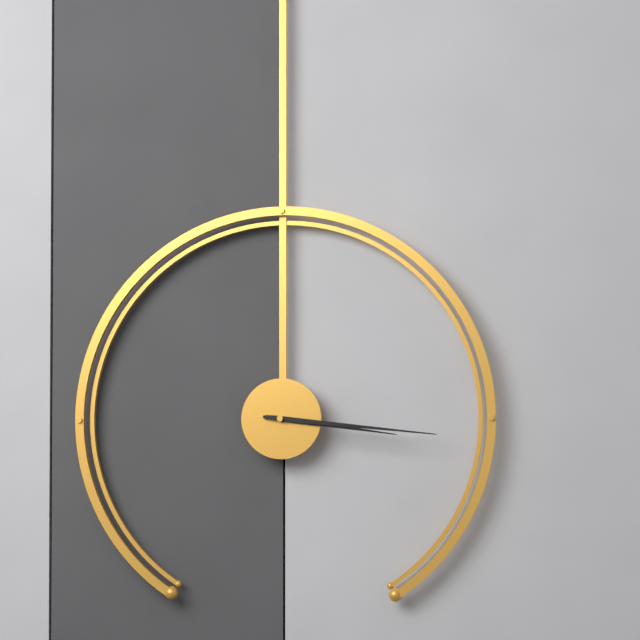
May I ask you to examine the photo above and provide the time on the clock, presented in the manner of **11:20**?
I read **3:16**
